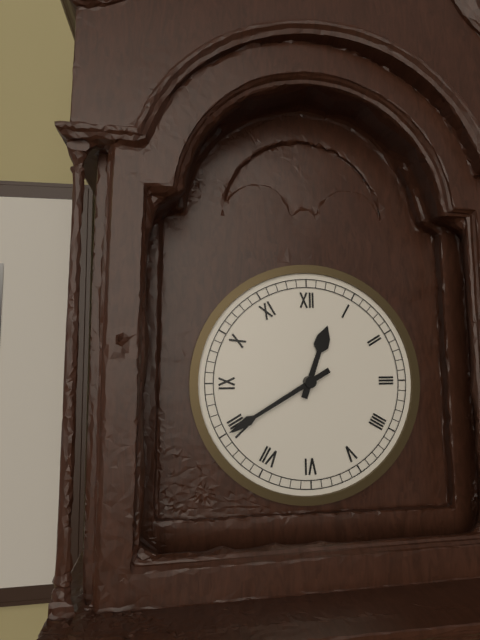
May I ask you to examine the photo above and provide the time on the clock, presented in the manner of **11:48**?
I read **12:40**
